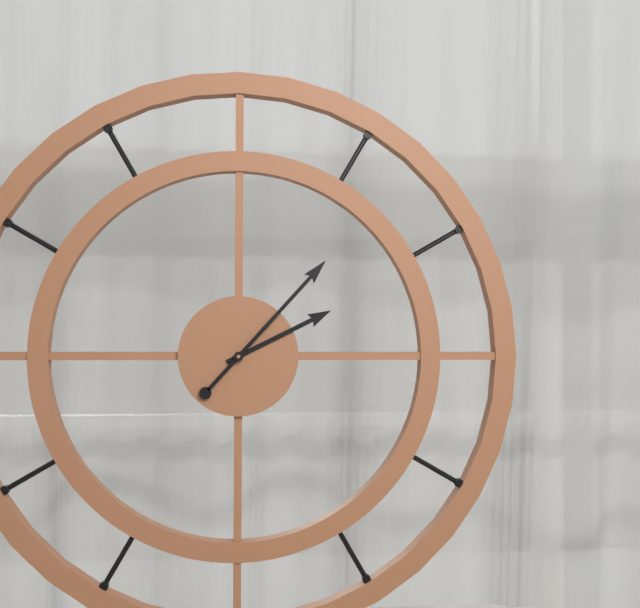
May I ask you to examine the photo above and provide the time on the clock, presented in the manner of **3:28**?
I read **2:07**
